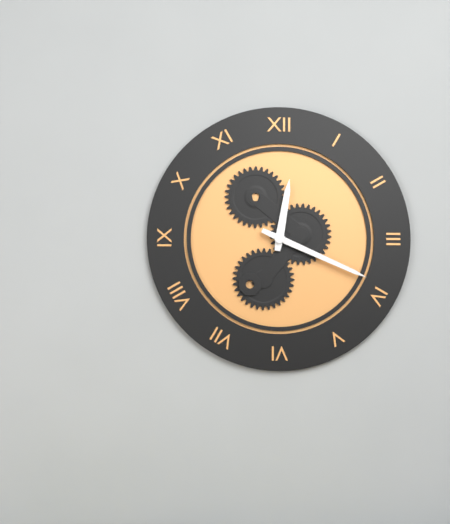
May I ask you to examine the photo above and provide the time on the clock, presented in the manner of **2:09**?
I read **12:19**
